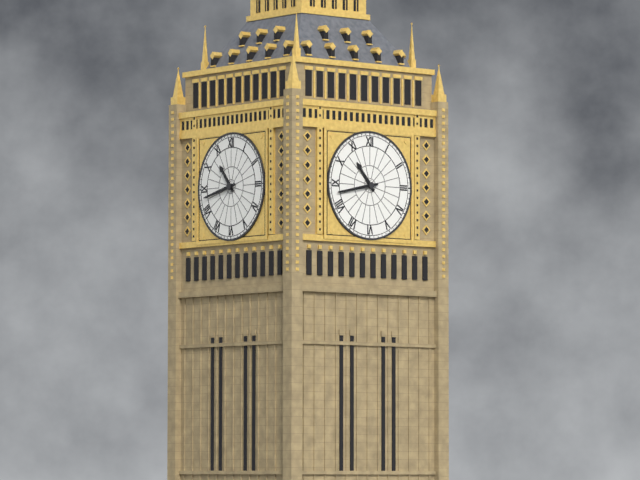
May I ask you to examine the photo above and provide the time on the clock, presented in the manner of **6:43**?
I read **10:43**
